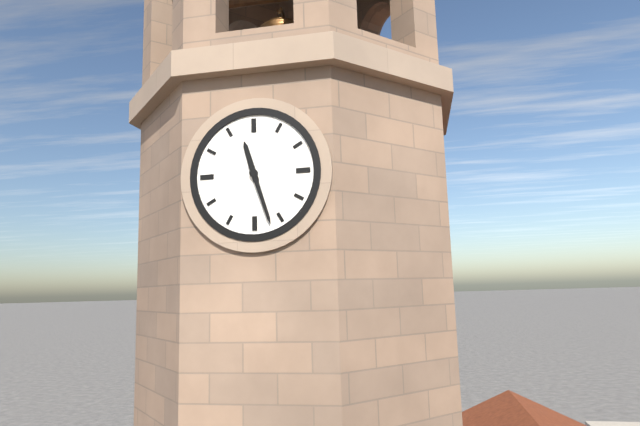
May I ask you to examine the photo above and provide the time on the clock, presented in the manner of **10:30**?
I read **11:27**
